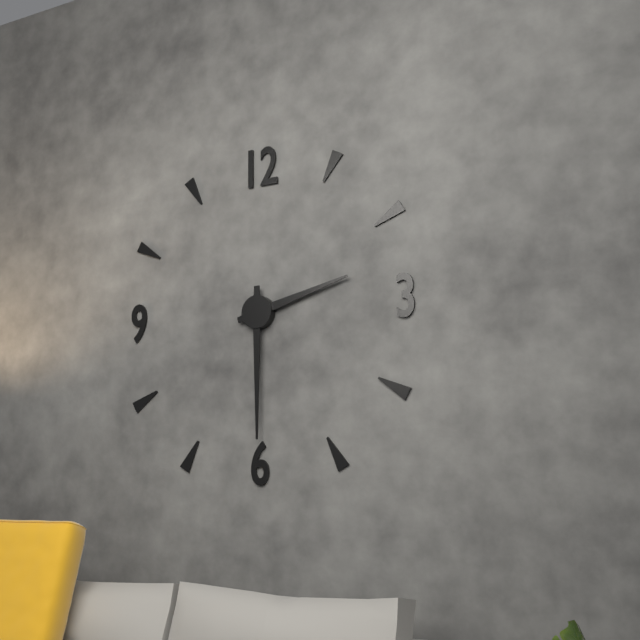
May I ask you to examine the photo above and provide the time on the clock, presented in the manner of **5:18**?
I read **2:30**
